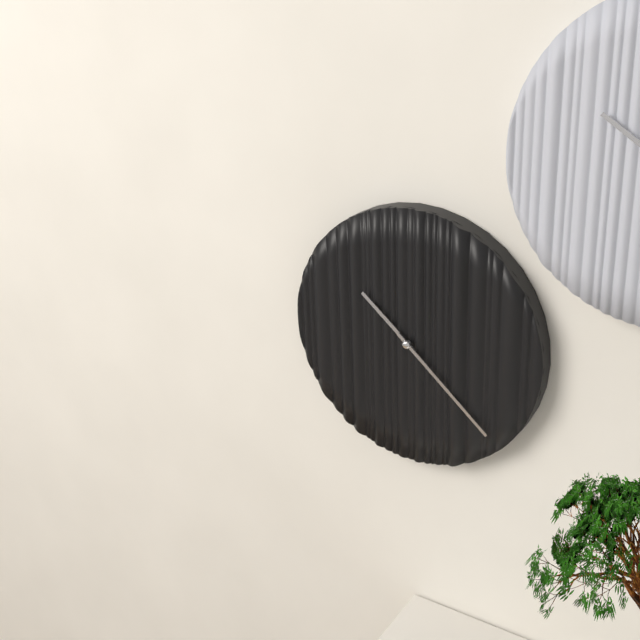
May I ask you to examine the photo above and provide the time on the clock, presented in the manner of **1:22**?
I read **10:22**
